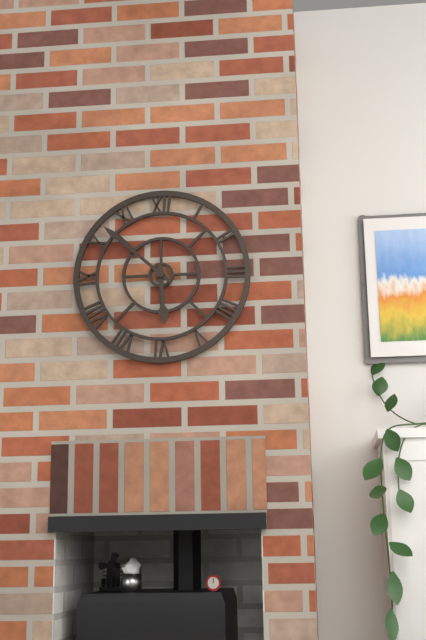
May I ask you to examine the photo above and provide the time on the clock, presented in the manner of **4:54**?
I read **5:52**
